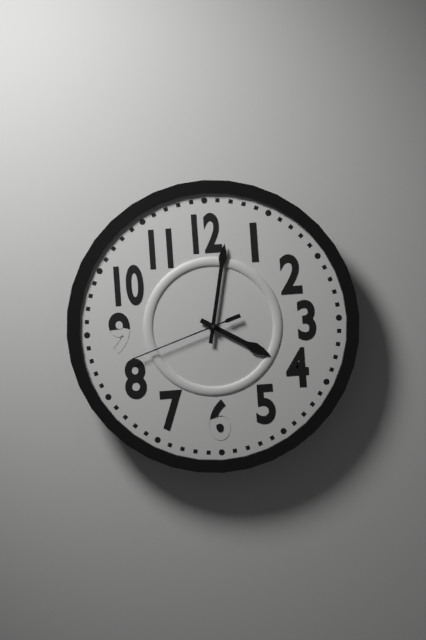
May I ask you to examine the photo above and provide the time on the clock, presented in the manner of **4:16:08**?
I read **4:02:42**
